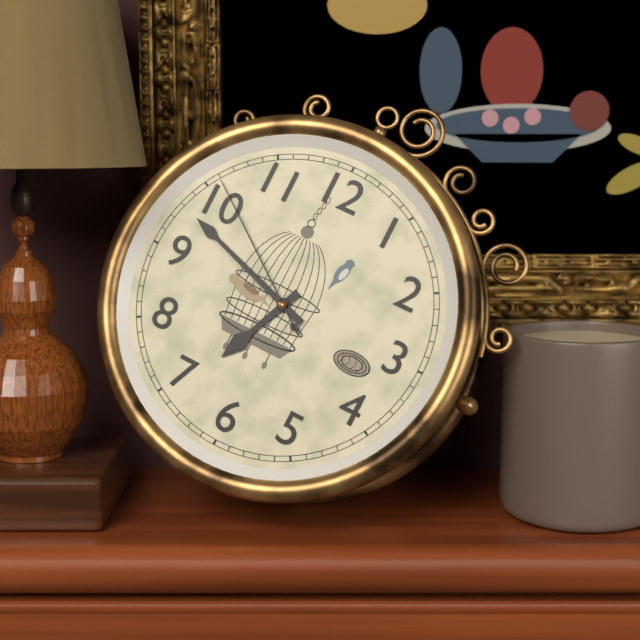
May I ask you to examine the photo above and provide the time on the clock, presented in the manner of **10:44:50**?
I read **6:48:51**
